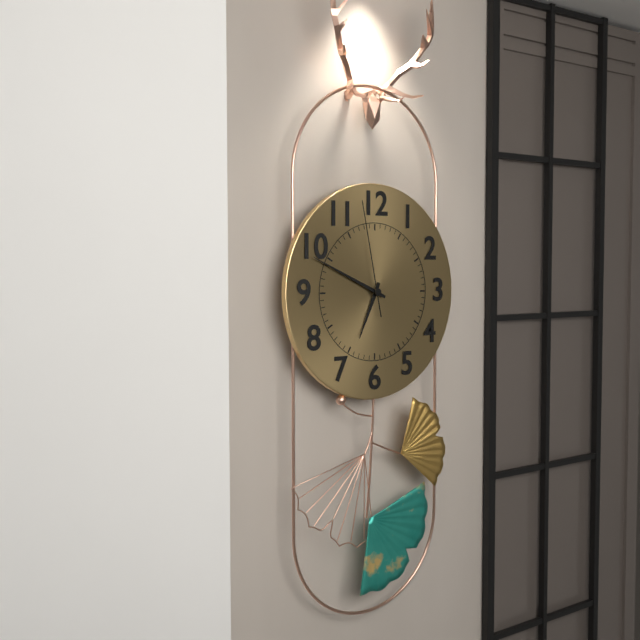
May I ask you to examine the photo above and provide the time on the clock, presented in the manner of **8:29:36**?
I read **6:49:58**
